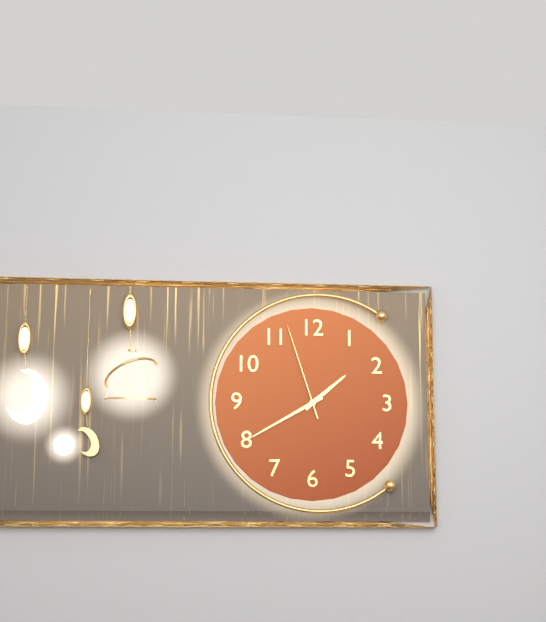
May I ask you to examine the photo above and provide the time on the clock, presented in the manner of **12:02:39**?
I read **1:40:57**
